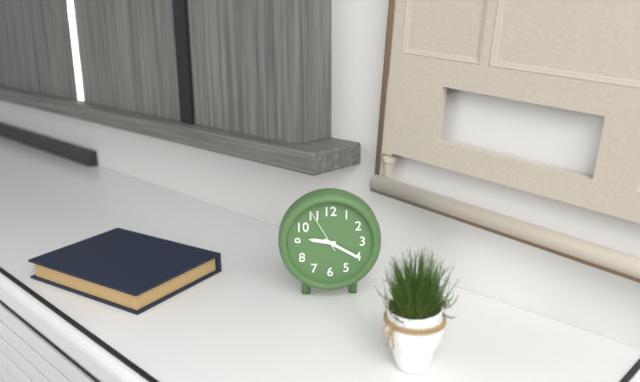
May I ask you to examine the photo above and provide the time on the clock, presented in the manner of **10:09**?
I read **9:20**
